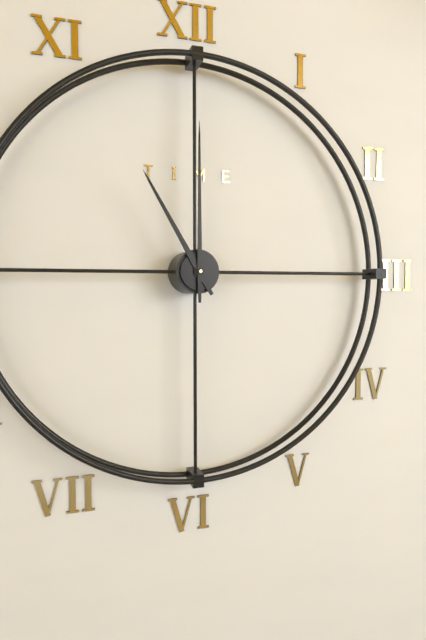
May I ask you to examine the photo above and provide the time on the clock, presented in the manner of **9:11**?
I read **11:00**
